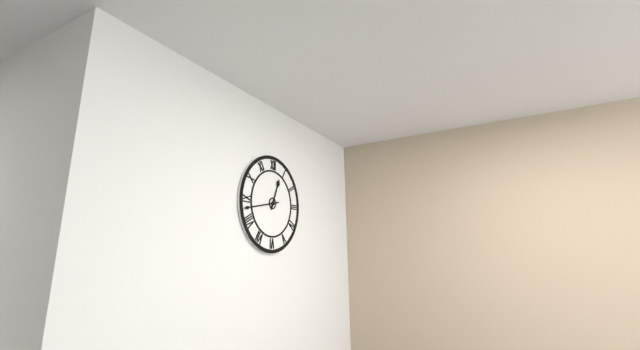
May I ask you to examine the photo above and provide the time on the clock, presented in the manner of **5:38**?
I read **12:43**
